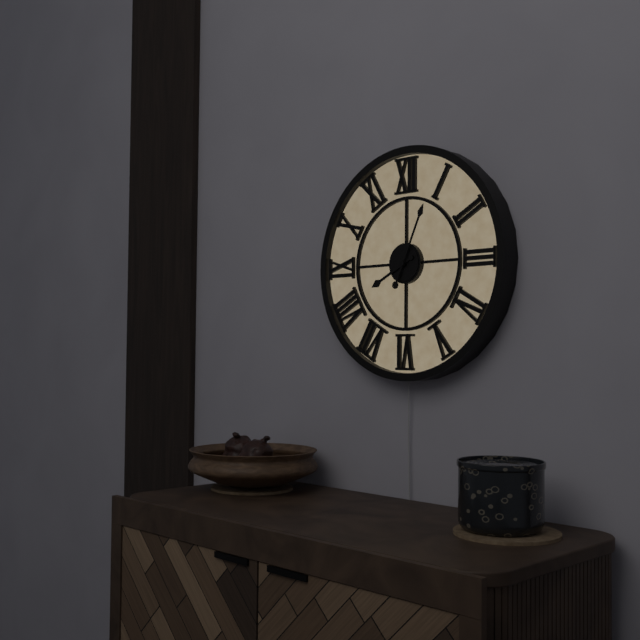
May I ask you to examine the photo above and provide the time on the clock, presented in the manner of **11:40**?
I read **8:04**
